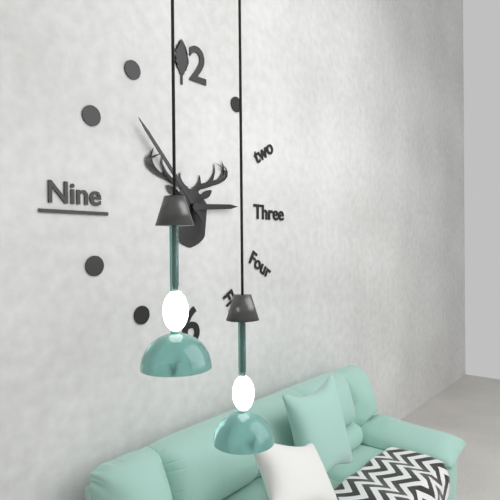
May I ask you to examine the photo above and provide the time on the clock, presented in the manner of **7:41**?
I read **2:53**
